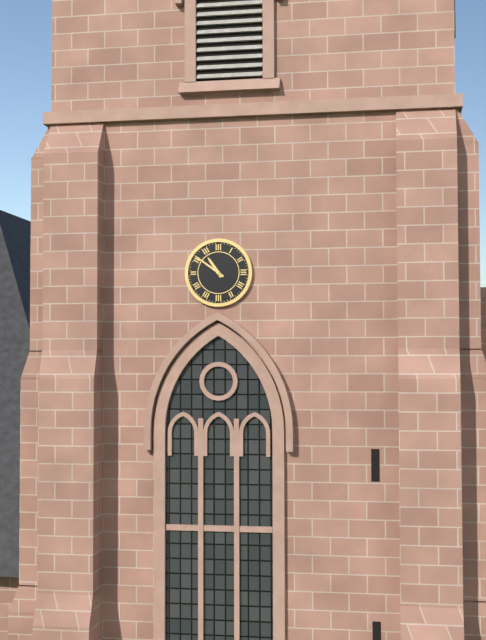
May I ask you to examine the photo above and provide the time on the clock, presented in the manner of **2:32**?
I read **10:51**
